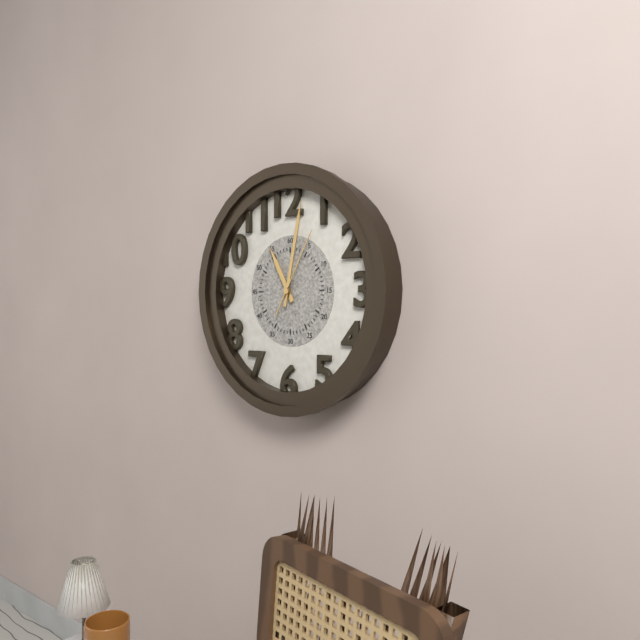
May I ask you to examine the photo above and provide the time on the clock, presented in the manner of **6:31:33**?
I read **11:02:05**
